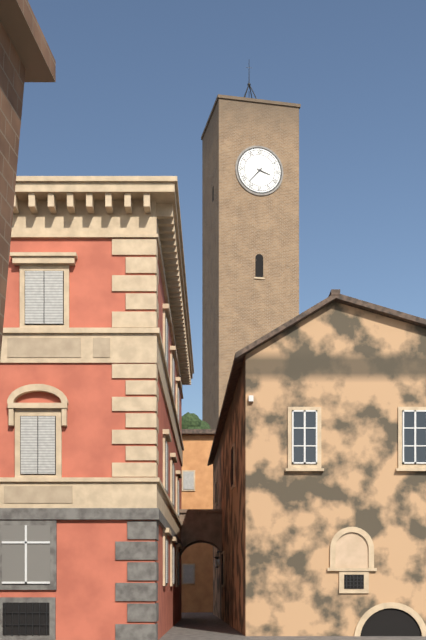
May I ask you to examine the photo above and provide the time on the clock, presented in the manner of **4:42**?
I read **3:37**
